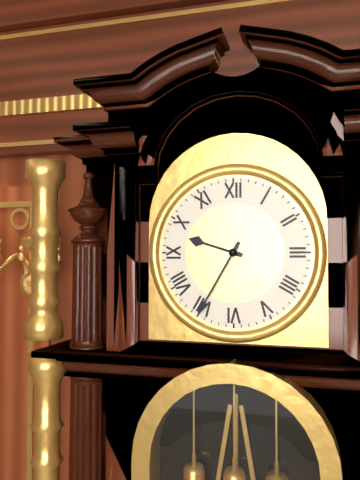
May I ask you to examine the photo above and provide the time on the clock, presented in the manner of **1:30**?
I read **9:35**
